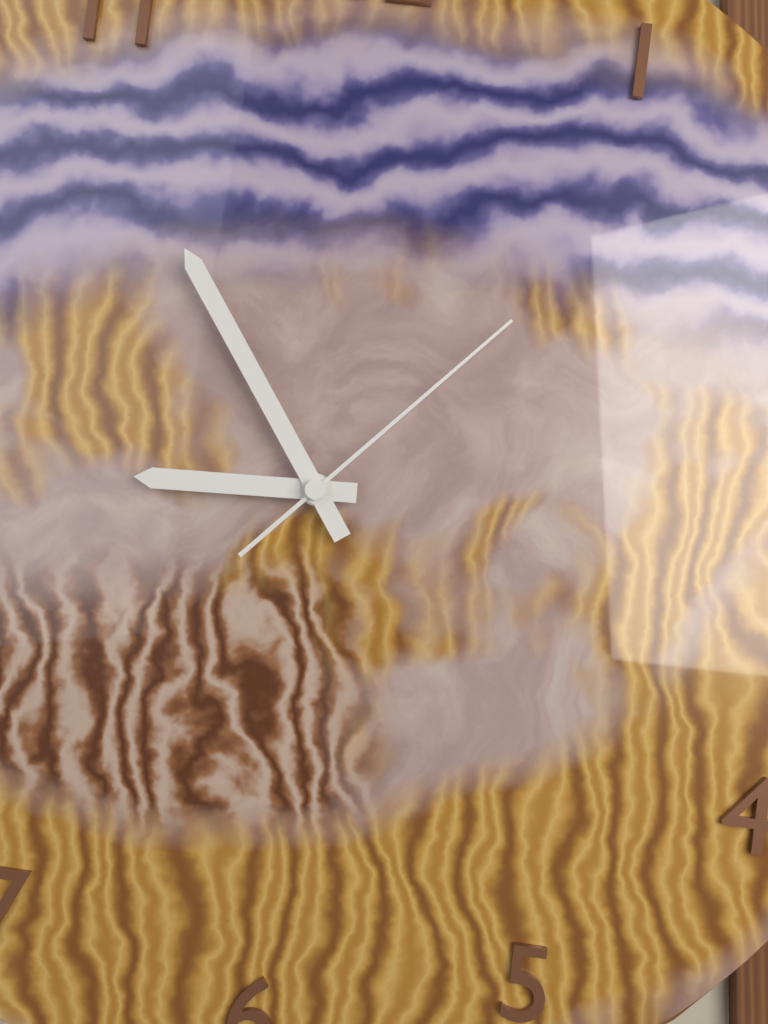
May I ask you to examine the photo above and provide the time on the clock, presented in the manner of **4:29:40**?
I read **8:54:07**
